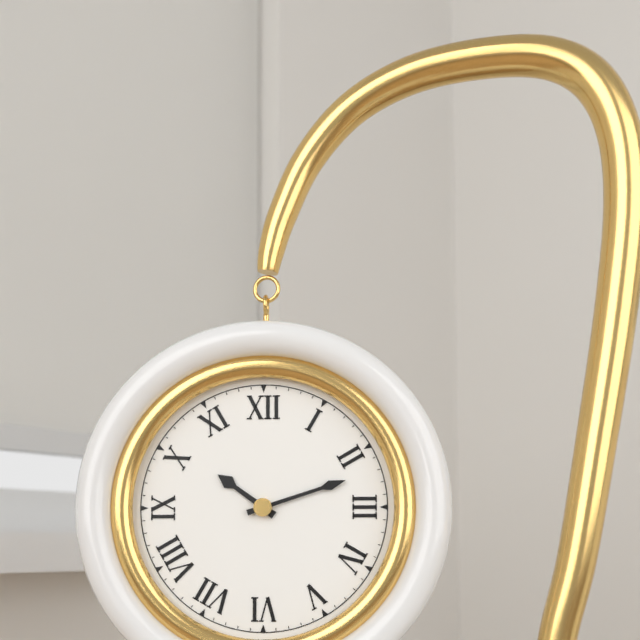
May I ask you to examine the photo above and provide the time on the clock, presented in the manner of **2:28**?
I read **10:12**
